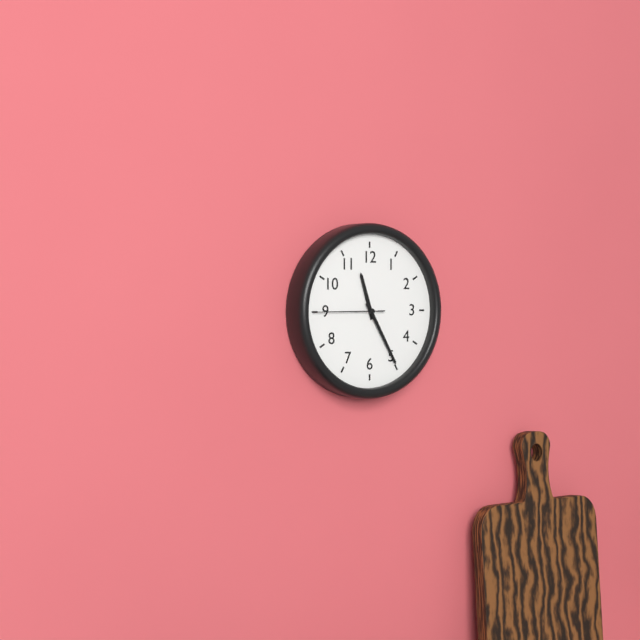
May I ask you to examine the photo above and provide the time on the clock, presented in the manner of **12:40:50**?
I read **11:25:45**
